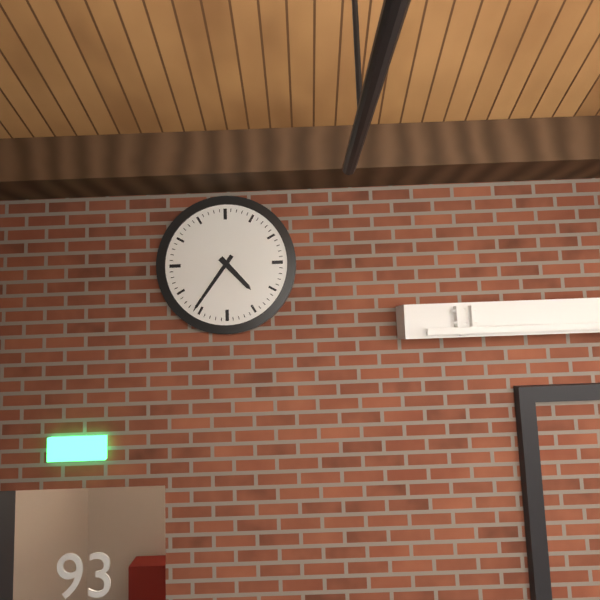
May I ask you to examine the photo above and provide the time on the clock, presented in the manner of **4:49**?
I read **4:36**
